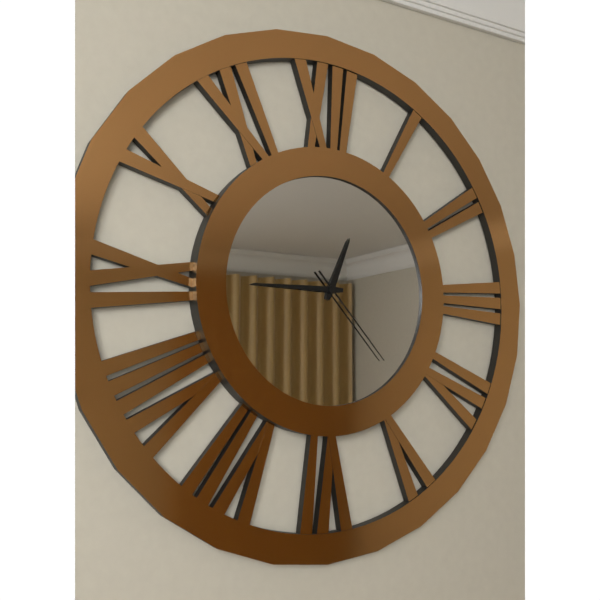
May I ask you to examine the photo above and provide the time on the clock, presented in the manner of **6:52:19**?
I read **12:45:23**
